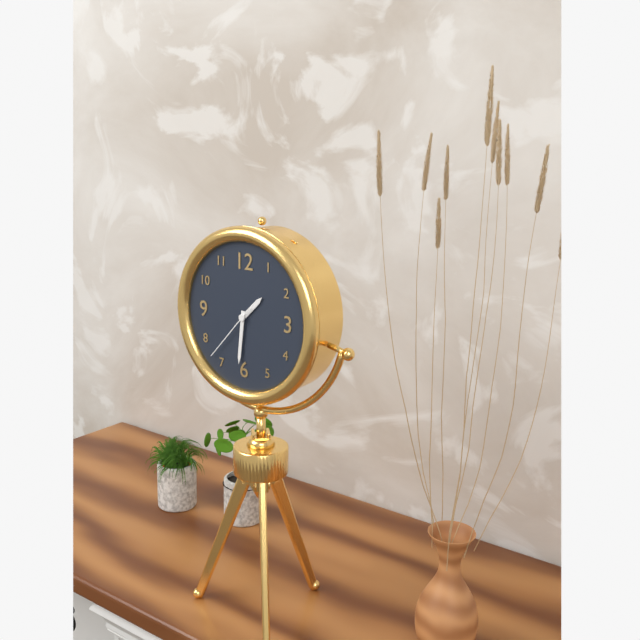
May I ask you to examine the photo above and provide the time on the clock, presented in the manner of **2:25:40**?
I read **1:31:37**
